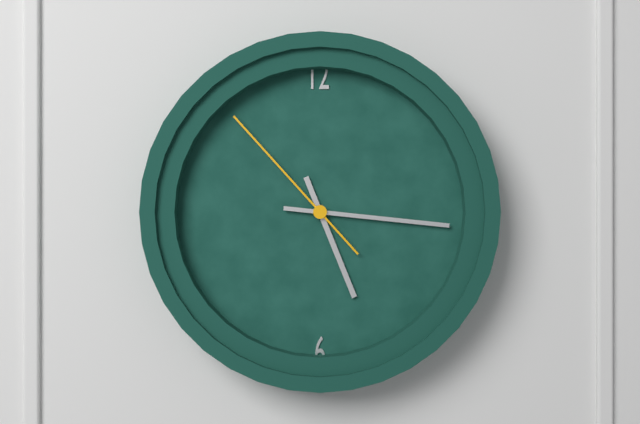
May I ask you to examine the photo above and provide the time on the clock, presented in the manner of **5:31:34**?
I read **5:16:53**
